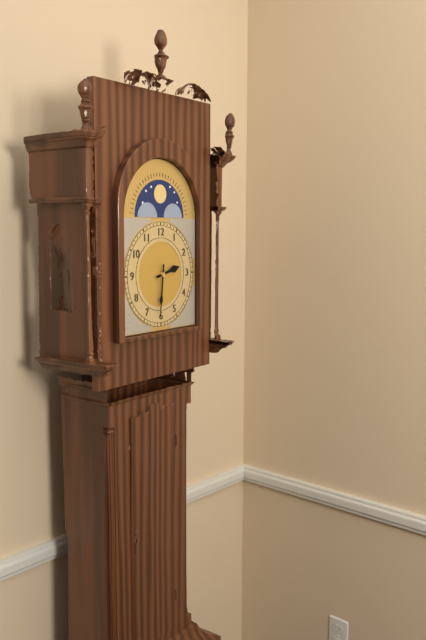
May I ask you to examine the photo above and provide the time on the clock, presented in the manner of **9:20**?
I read **2:31**
